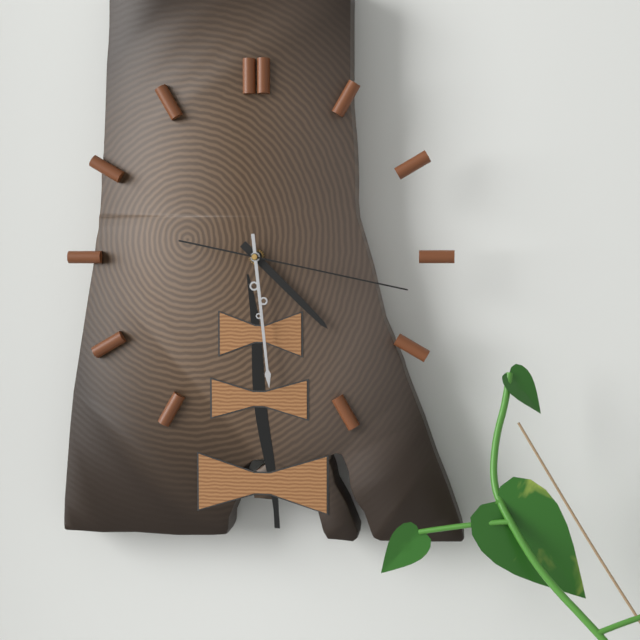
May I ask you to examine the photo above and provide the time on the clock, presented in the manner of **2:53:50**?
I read **4:29:17**
